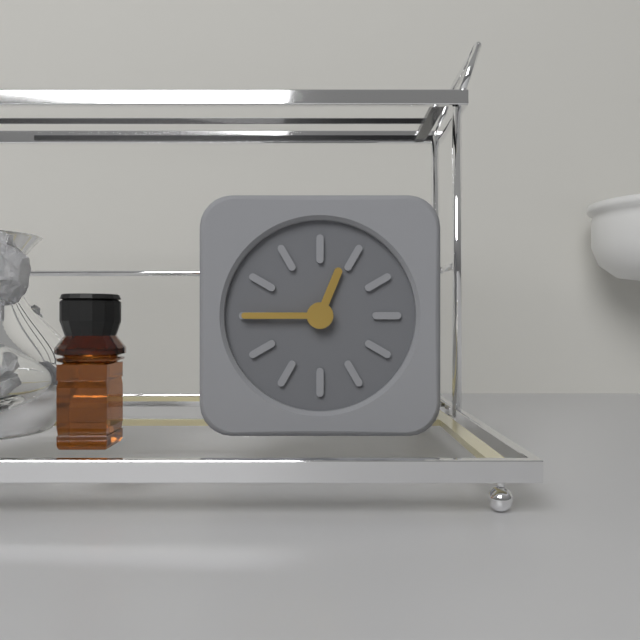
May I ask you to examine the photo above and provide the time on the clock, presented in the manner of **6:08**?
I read **12:45**
